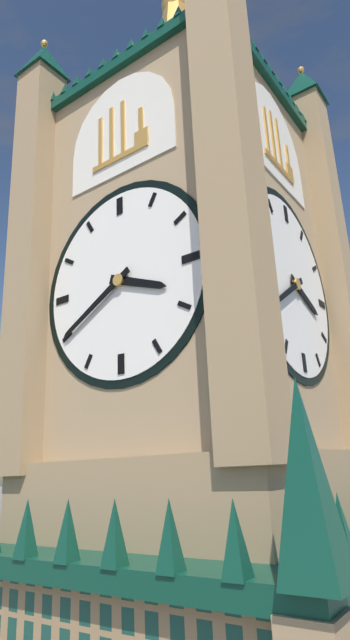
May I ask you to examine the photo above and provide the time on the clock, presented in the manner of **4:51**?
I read **3:40**
